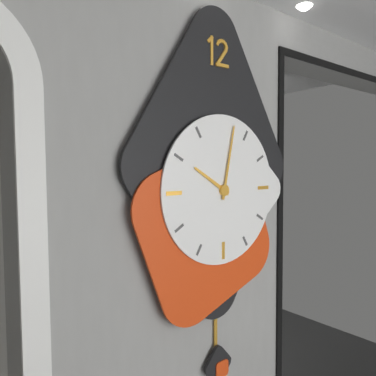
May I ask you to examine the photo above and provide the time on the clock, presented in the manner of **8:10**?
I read **10:02**
